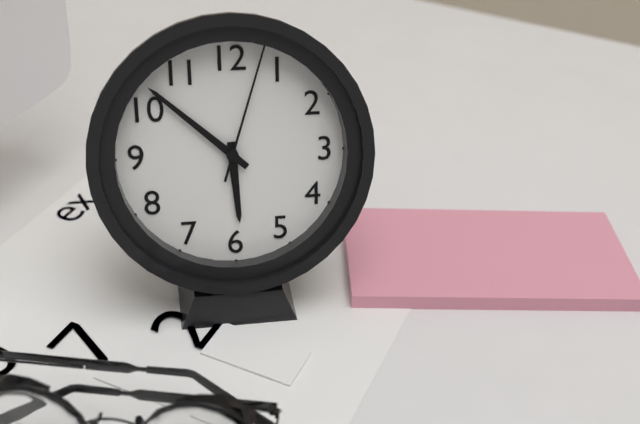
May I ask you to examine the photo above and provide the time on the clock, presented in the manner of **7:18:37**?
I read **5:52:03**
